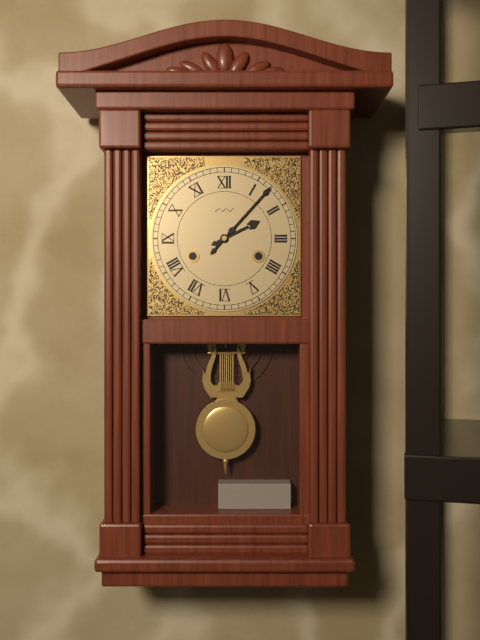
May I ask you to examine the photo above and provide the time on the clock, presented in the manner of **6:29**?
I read **2:07**
